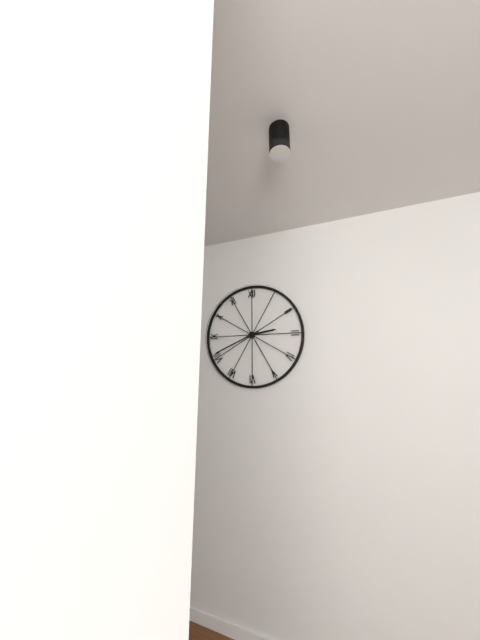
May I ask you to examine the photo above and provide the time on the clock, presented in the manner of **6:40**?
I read **2:41**
